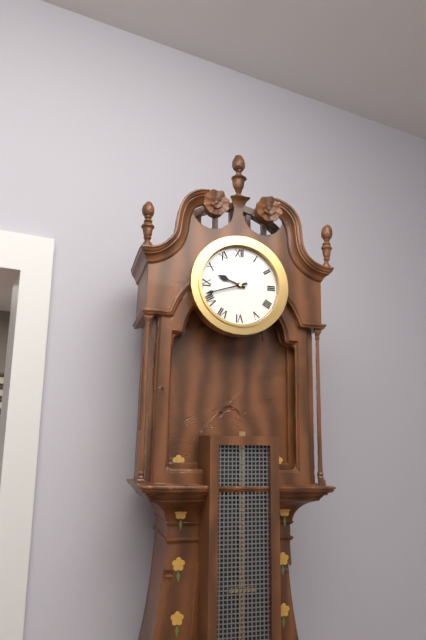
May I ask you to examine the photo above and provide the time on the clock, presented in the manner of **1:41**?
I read **9:42**
